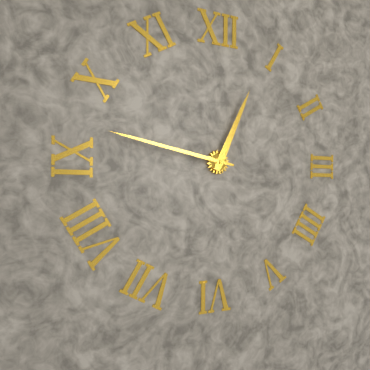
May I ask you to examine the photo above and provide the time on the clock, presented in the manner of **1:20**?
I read **12:47**
